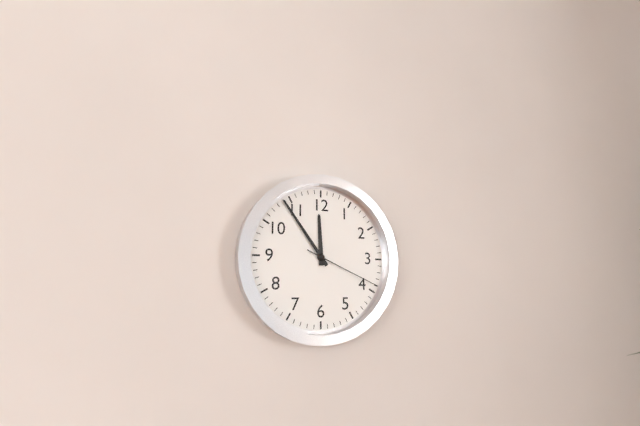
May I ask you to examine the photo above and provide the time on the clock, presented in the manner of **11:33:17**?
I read **11:54:19**
